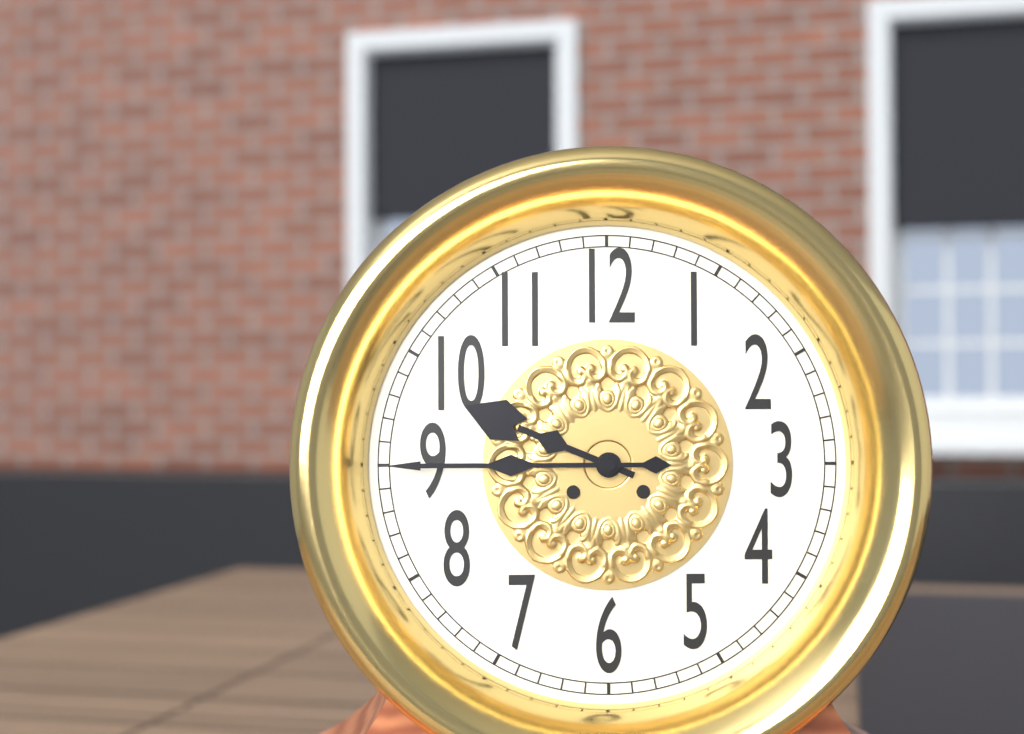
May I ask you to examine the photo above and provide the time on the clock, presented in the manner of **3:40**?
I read **9:45**
